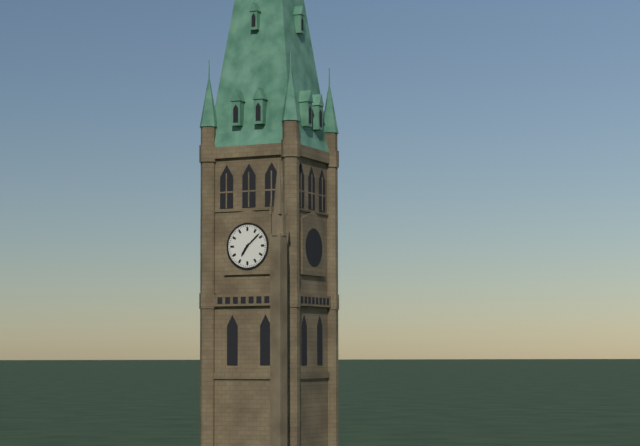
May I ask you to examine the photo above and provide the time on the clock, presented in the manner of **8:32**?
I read **7:08**
